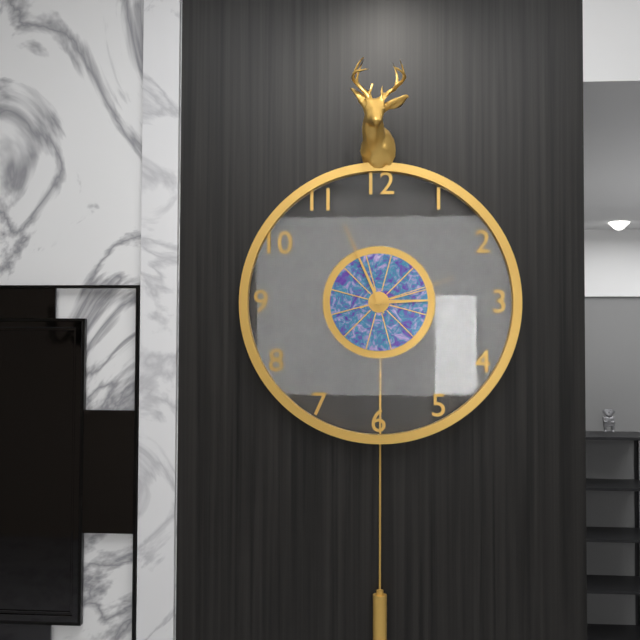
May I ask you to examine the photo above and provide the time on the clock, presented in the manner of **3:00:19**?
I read **2:56:12**
